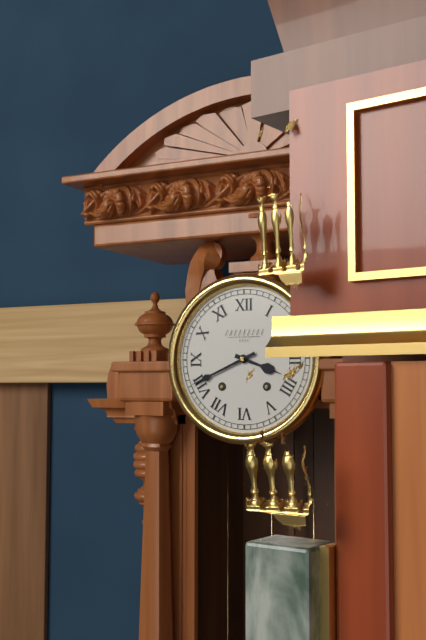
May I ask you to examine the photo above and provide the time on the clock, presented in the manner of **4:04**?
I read **3:41**
